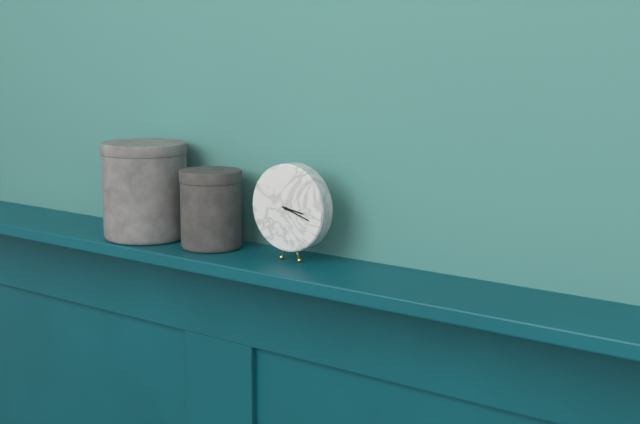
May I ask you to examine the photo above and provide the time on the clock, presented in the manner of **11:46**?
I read **3:18**
